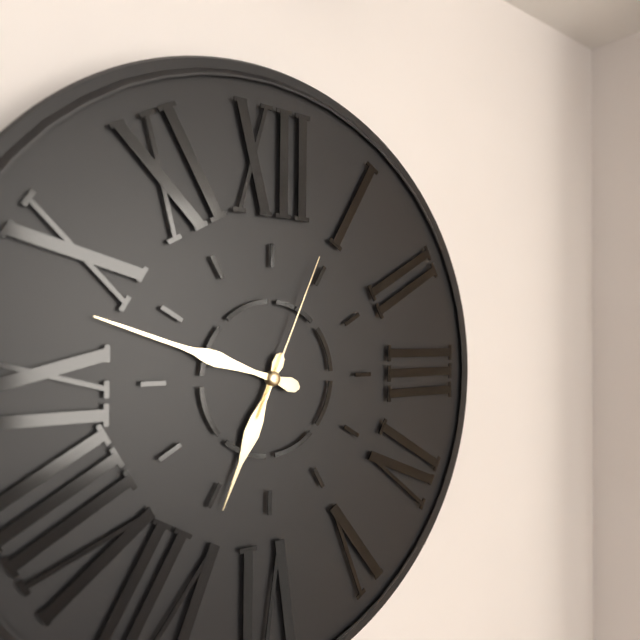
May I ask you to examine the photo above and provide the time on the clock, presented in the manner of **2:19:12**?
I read **6:48:04**
